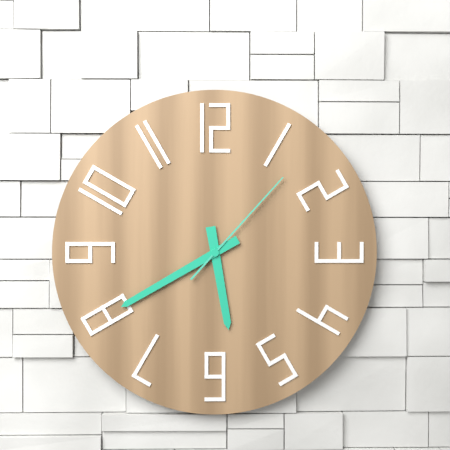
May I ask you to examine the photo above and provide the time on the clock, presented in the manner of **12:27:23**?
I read **5:40:07**
